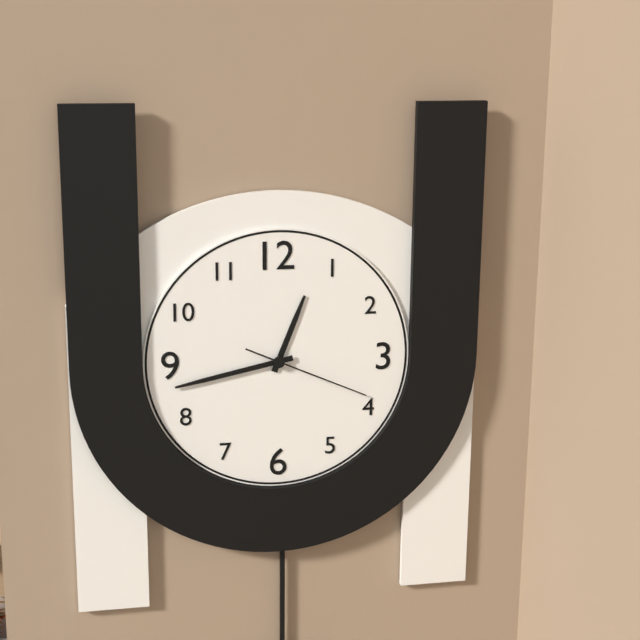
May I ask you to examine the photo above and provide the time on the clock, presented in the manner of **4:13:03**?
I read **12:43:19**
